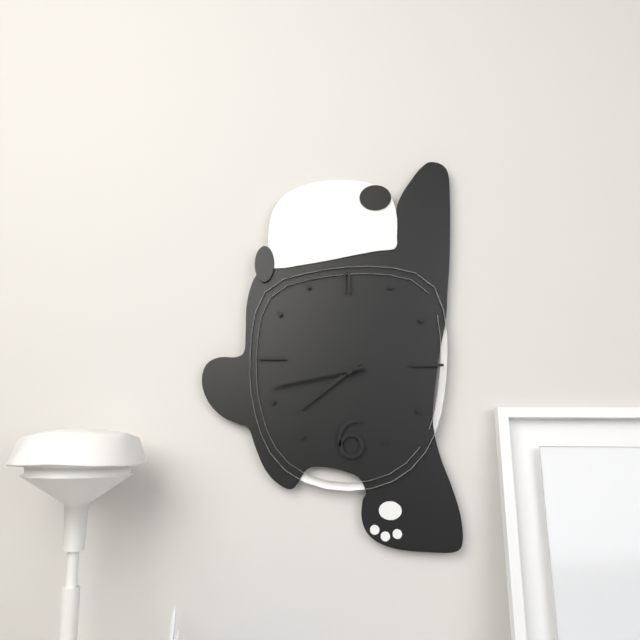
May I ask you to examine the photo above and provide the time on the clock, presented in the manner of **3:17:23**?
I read **7:43:43**
